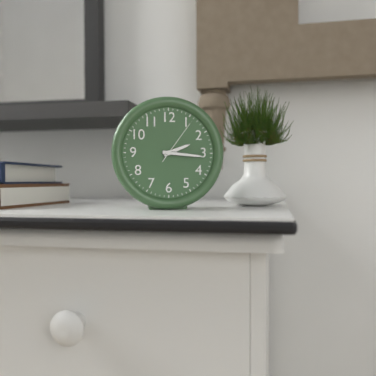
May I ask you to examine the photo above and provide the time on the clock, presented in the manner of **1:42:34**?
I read **2:16:06**
